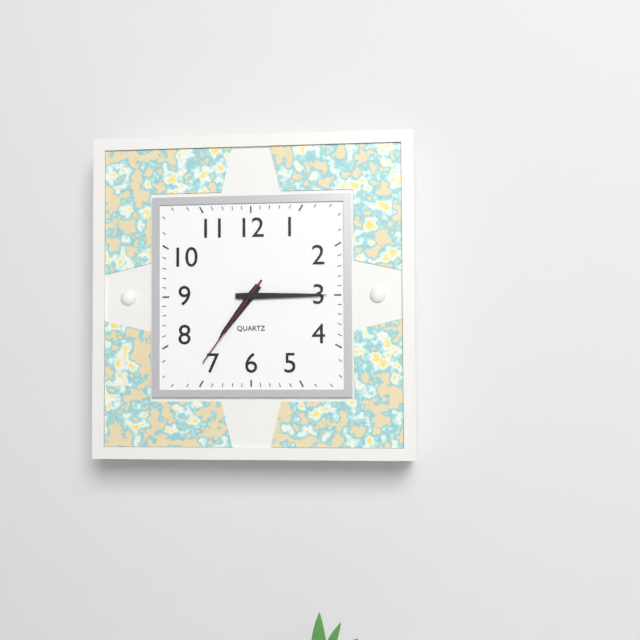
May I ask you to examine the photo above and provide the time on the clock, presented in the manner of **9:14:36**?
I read **7:15:36**
